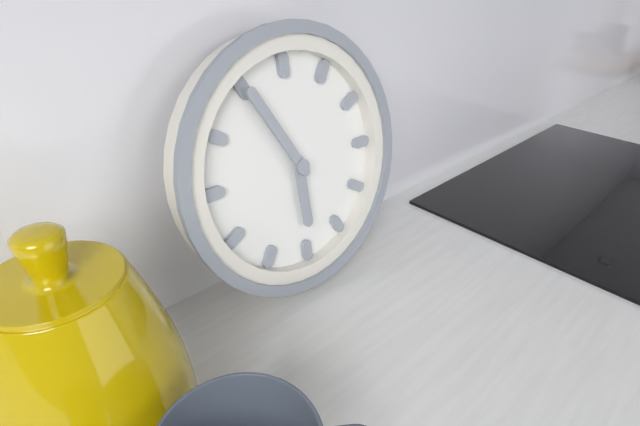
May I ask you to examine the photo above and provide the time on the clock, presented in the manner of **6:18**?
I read **5:55**
